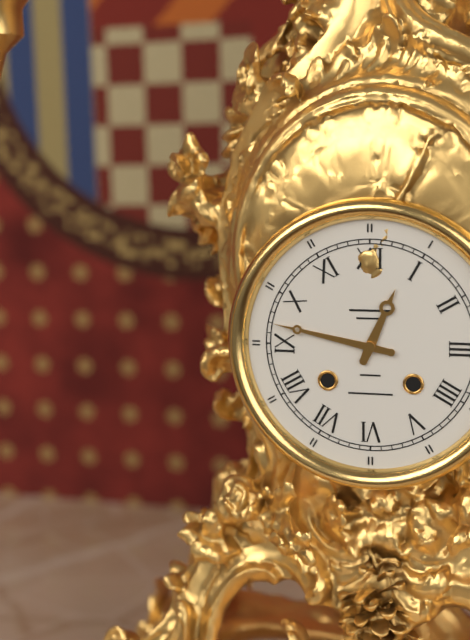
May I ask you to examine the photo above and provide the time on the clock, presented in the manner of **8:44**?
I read **12:47**
